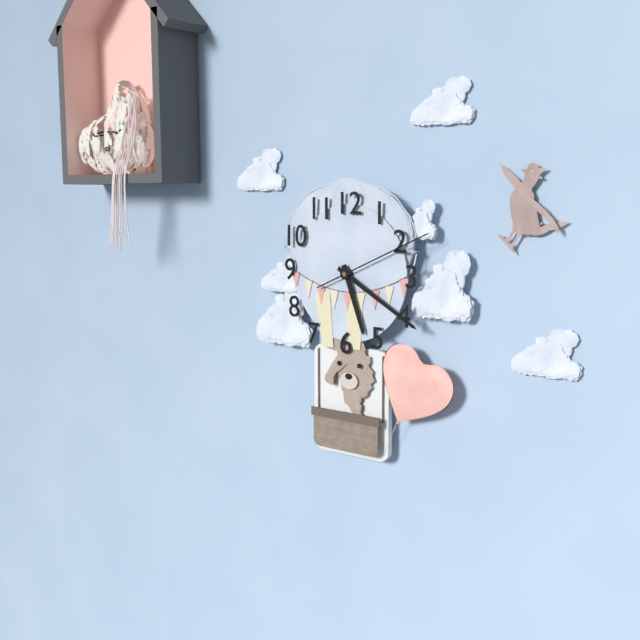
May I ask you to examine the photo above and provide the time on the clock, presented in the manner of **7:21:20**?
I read **5:20:11**
